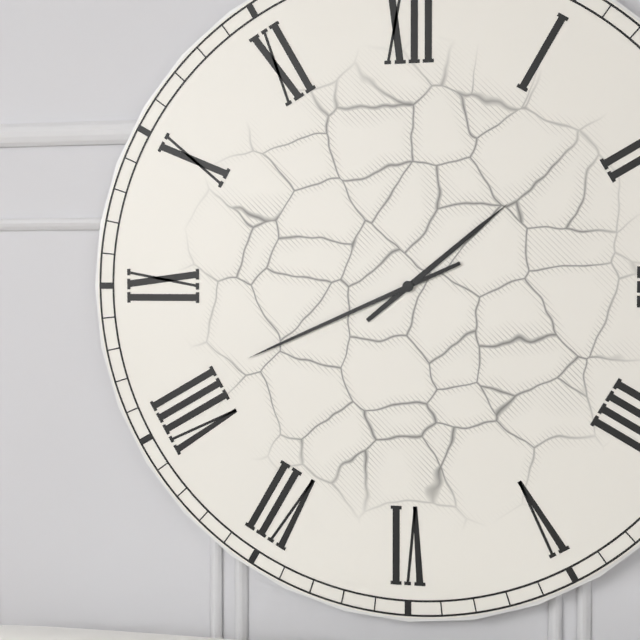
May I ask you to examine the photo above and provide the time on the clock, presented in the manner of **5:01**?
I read **1:41**
